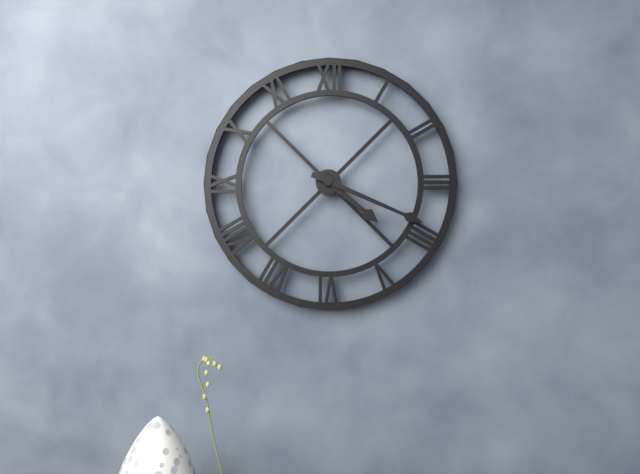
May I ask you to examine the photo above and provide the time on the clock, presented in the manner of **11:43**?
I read **4:19**
